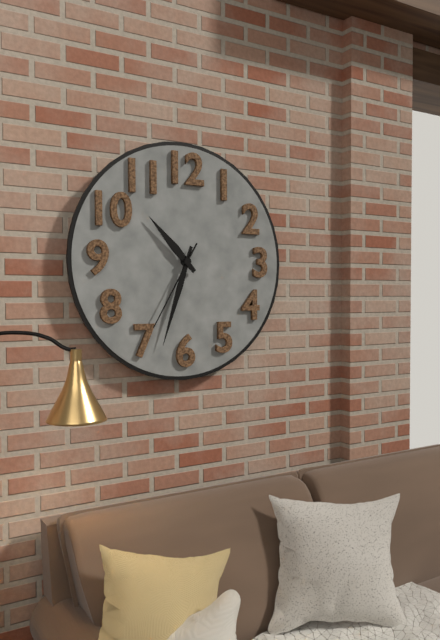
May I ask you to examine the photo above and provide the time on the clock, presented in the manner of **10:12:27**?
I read **10:33:35**
